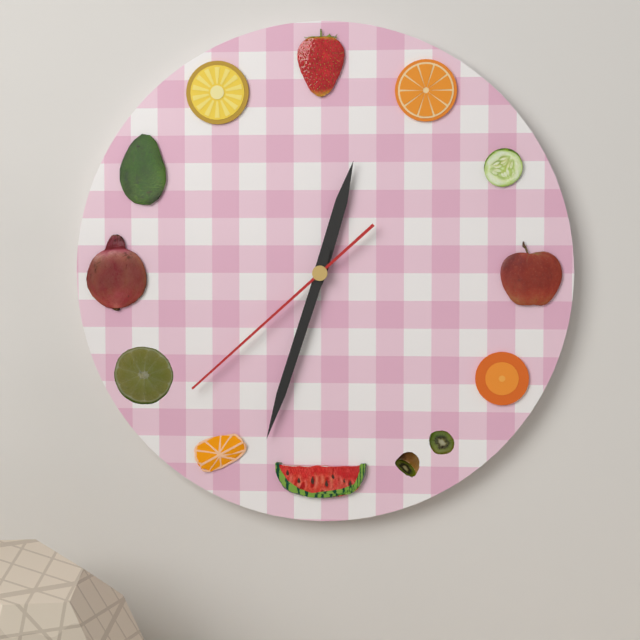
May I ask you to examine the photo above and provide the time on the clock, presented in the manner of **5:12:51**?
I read **12:33:38**
